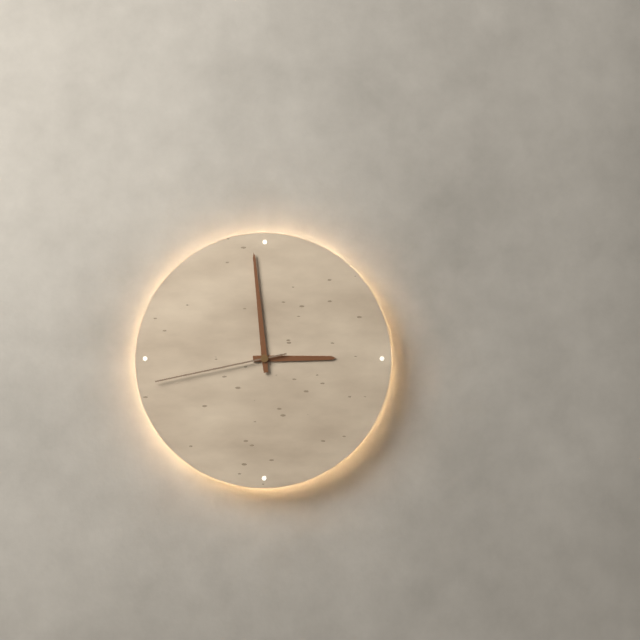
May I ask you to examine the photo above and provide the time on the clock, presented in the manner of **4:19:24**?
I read **2:59:43**
